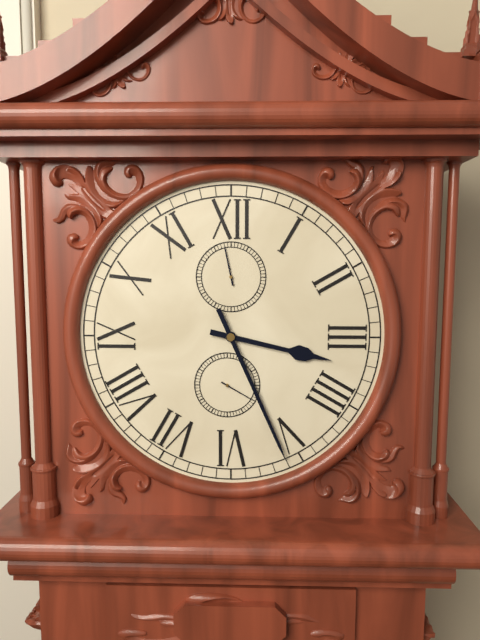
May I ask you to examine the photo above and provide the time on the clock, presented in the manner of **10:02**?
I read **3:26**
